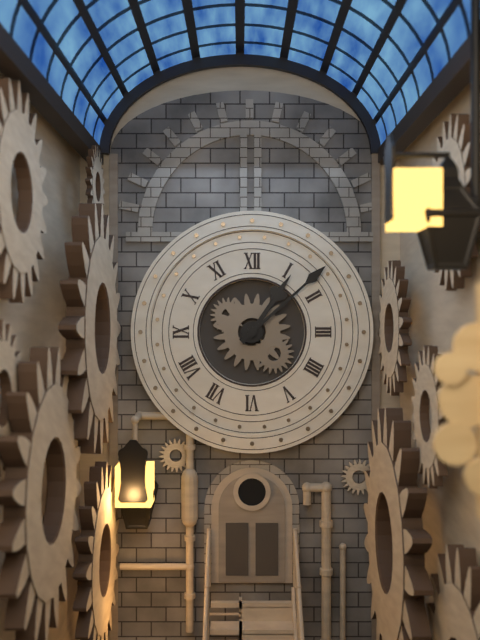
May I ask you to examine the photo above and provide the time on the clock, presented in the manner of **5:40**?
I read **1:08**
